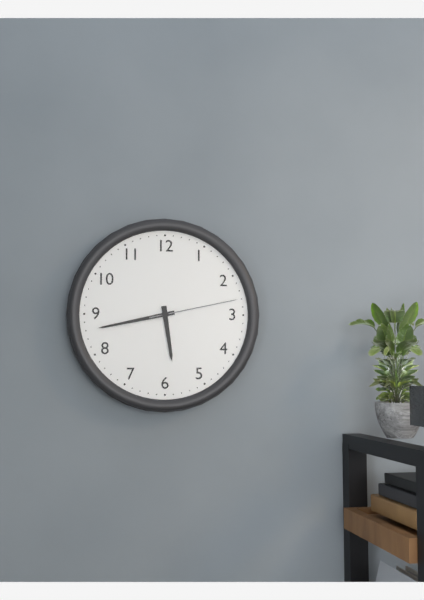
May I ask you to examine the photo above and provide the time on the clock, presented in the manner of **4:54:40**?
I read **5:43:13**
